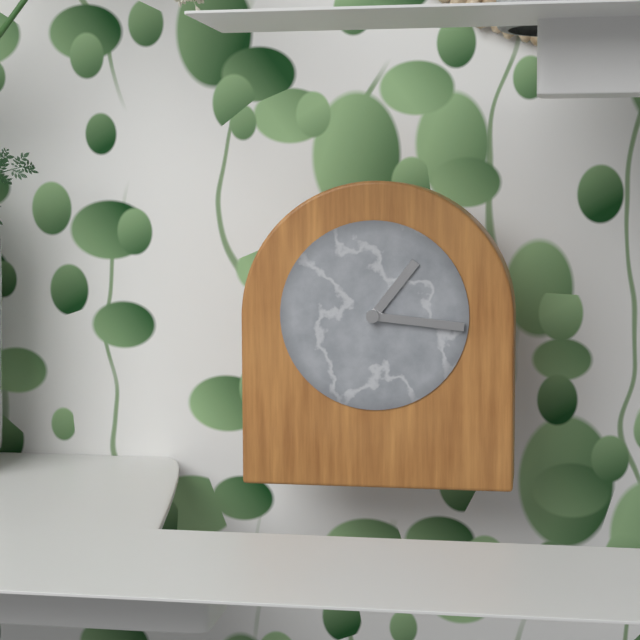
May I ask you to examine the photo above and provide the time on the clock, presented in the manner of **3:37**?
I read **1:16**
